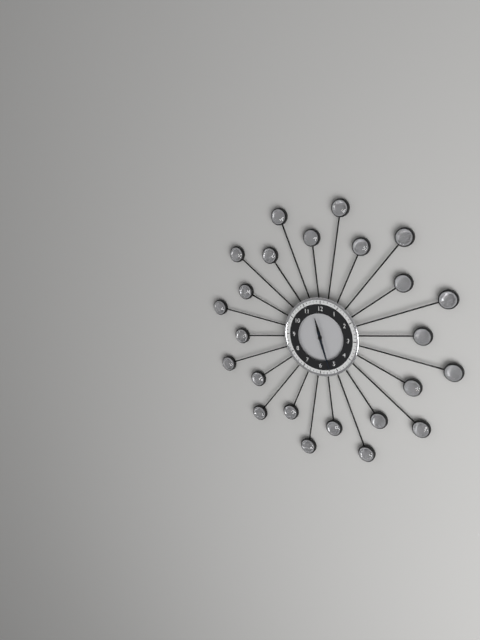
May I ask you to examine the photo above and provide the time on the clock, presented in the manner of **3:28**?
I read **11:27**
